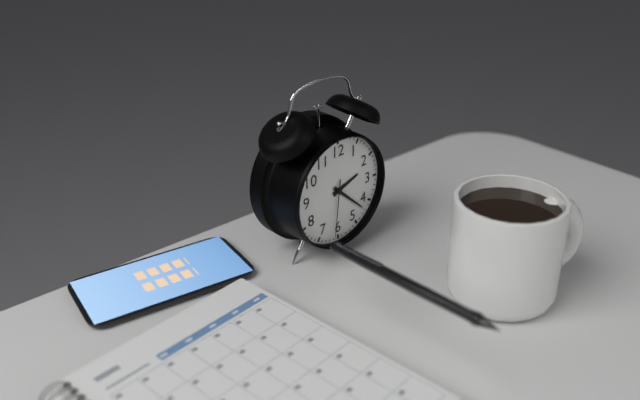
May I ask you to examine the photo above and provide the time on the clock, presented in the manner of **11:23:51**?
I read **2:22:31**
